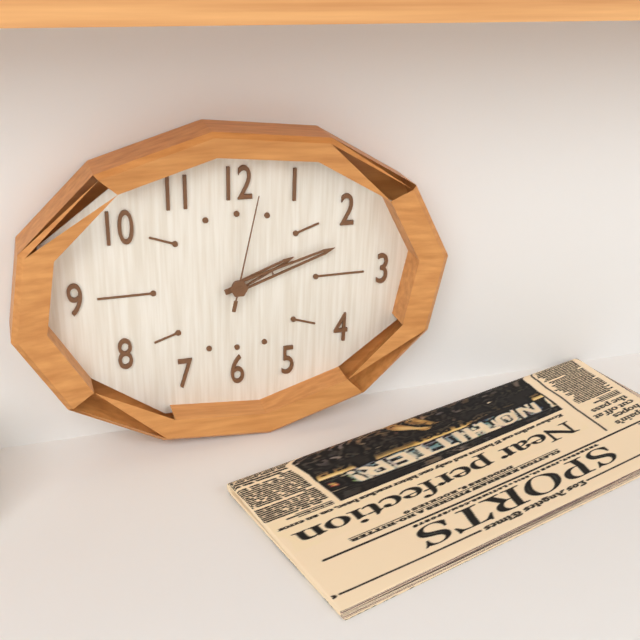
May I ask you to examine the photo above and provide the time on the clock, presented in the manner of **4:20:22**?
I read **2:12:02**
